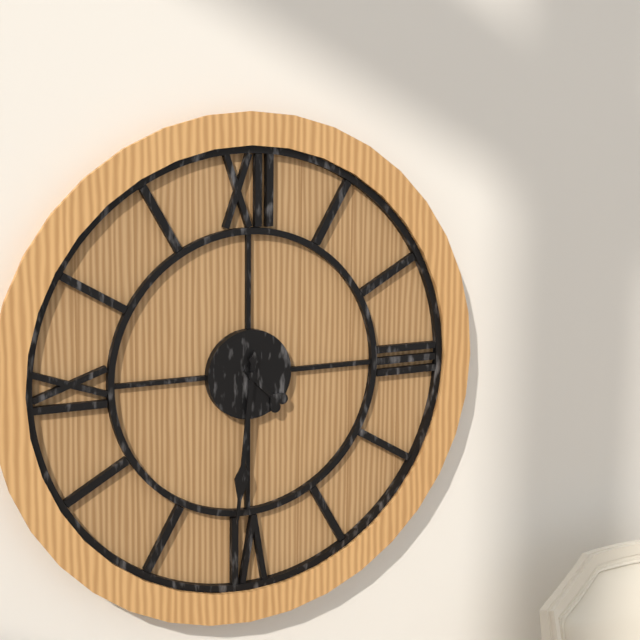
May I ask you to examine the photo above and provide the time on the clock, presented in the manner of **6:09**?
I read **4:31**
